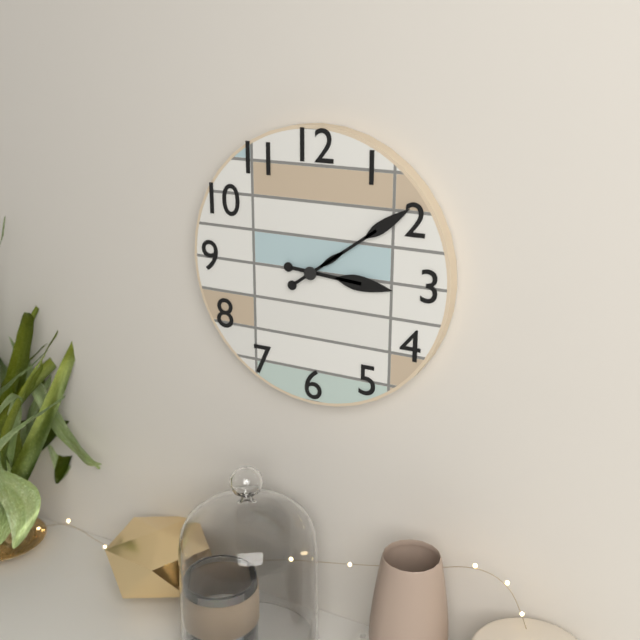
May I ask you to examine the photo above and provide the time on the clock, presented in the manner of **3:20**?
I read **3:09**
